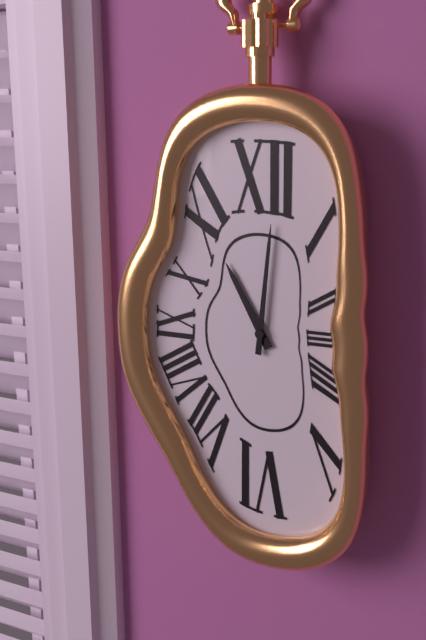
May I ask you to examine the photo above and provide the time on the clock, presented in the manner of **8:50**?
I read **11:01**
